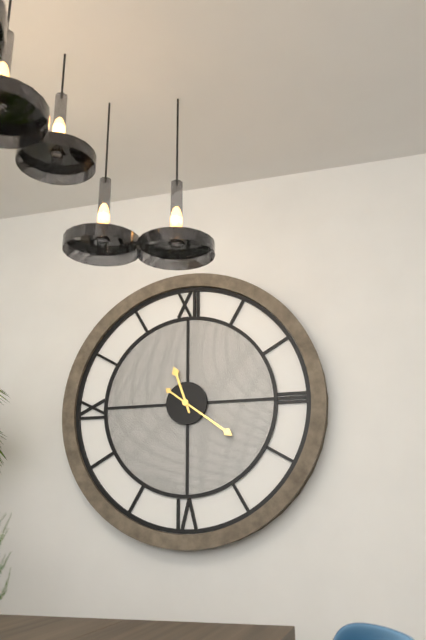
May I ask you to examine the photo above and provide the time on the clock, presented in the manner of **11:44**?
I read **11:21**
